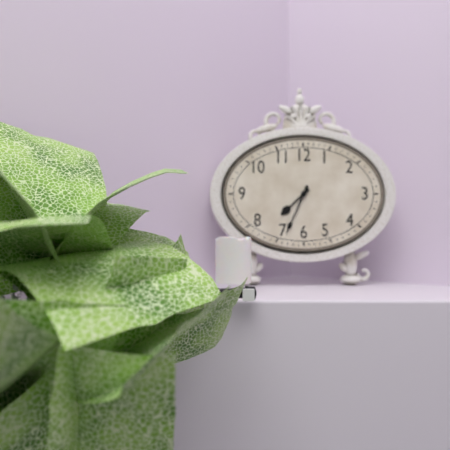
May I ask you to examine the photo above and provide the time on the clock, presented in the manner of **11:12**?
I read **7:34**
